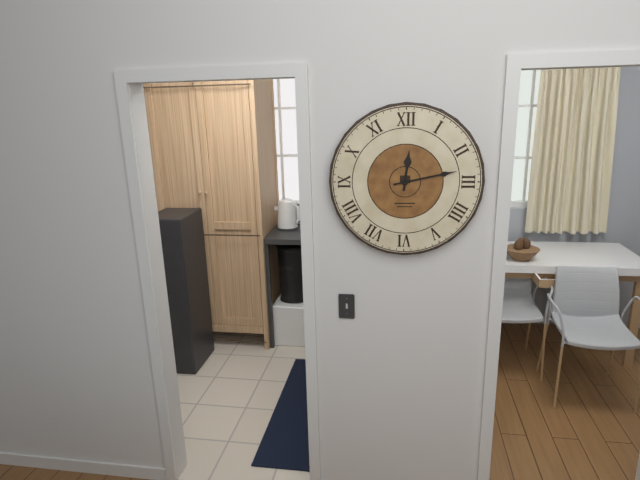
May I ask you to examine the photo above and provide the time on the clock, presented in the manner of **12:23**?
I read **12:13**
